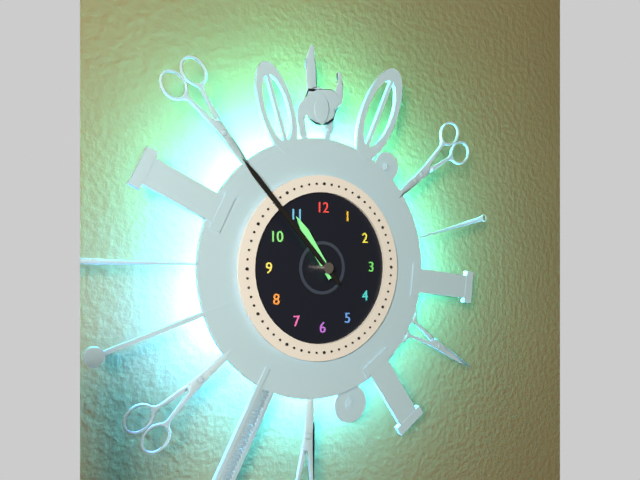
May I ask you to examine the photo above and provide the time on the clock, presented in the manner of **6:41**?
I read **10:53**
